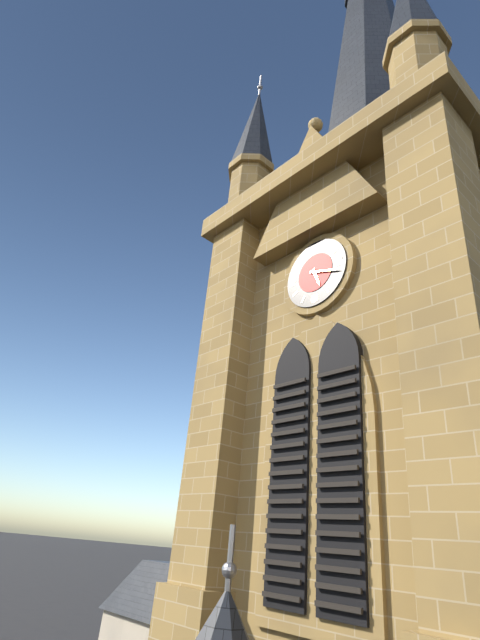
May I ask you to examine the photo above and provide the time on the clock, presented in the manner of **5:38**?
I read **5:18**
